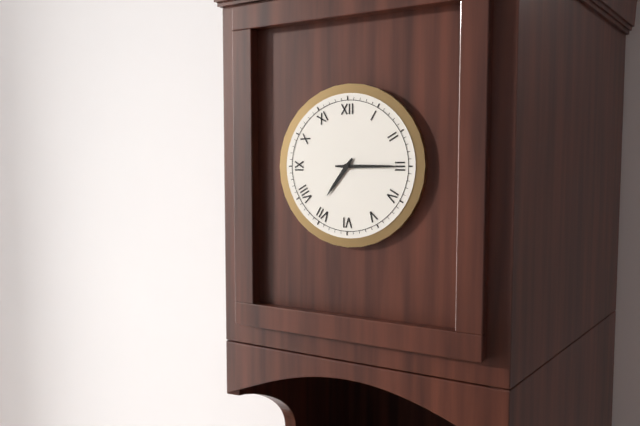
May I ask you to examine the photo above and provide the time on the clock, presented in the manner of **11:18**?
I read **7:15**
